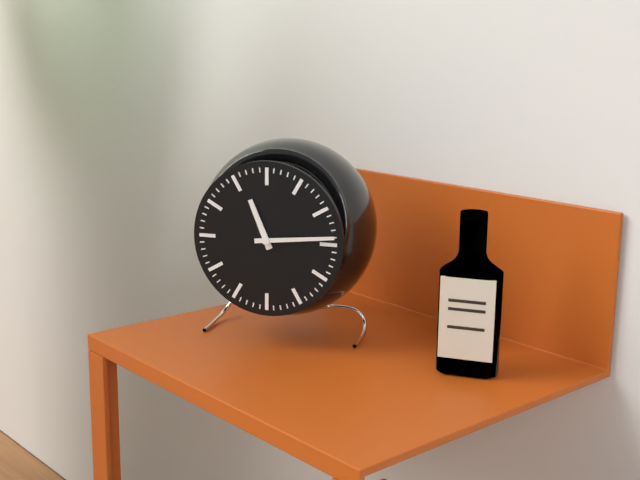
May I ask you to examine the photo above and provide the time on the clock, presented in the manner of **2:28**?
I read **11:14**
